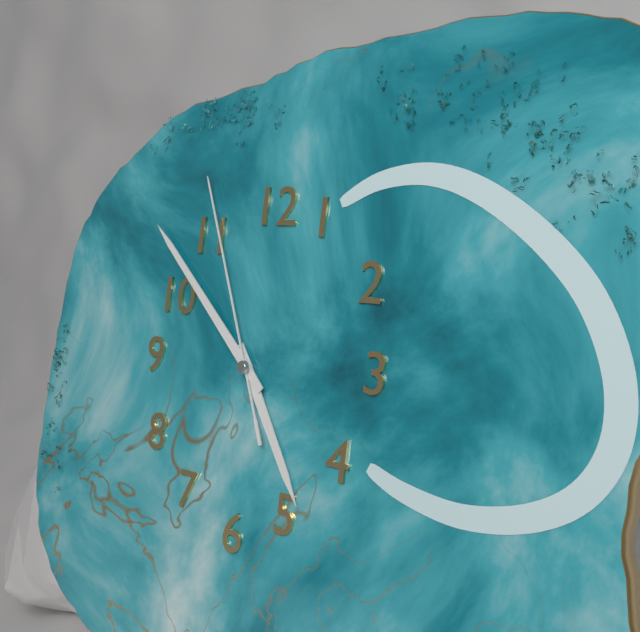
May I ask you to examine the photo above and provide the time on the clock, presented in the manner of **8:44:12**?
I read **4:52:56**
